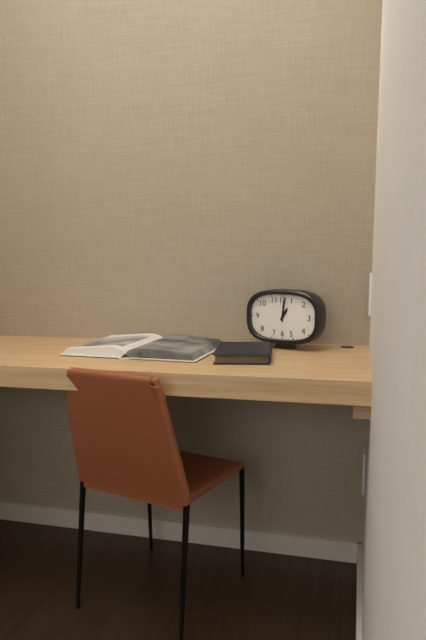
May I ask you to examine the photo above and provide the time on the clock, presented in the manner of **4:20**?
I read **1:01**
